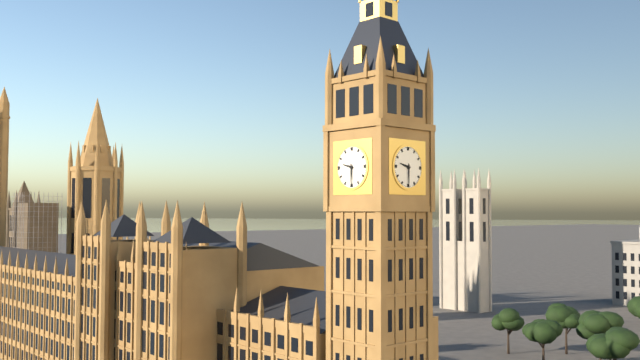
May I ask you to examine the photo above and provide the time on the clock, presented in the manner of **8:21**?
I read **9:30**
